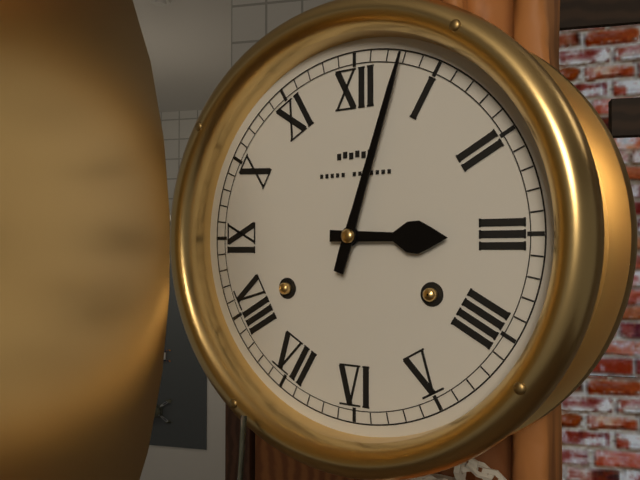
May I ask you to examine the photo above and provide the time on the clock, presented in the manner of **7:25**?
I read **3:03**
